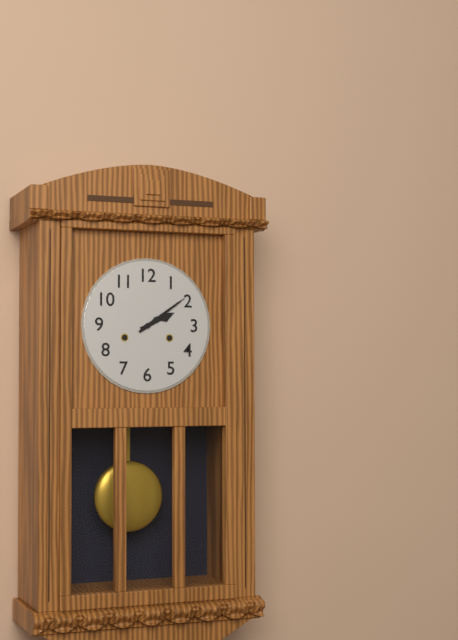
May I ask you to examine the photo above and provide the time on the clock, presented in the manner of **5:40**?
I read **2:09**
